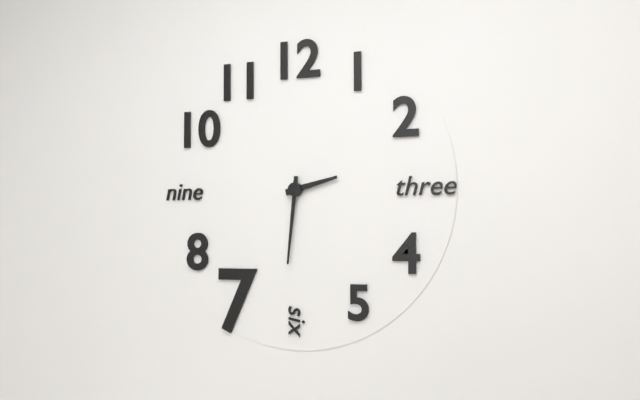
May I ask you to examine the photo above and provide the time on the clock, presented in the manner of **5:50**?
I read **2:31**
